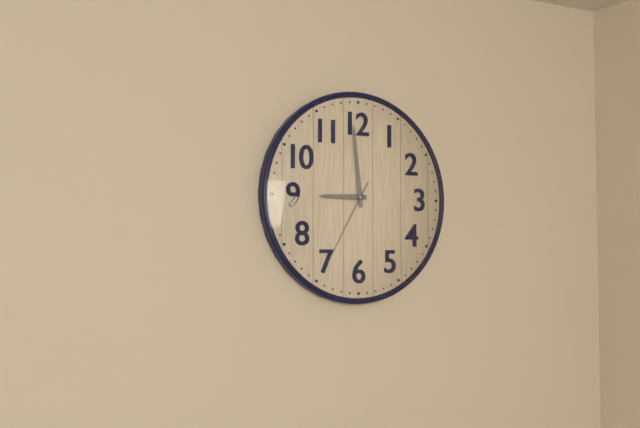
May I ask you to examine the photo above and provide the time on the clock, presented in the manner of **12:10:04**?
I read **8:59:35**
